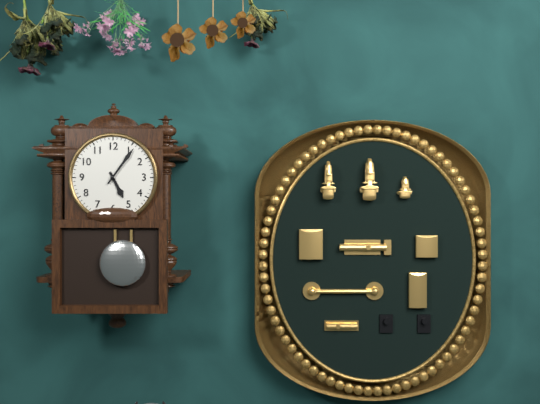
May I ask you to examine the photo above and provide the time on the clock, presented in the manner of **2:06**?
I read **5:06**
